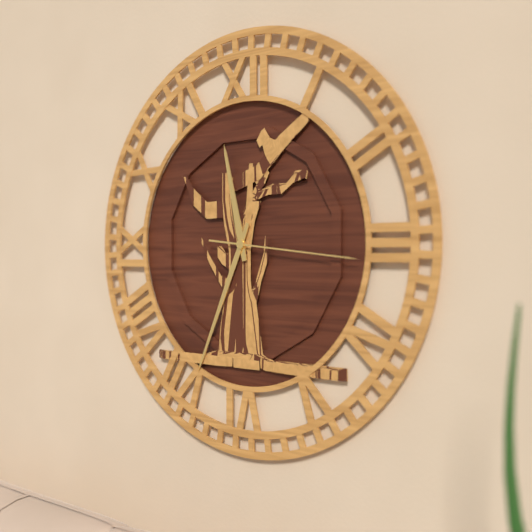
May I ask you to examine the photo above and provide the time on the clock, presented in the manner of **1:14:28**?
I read **11:34:16**
